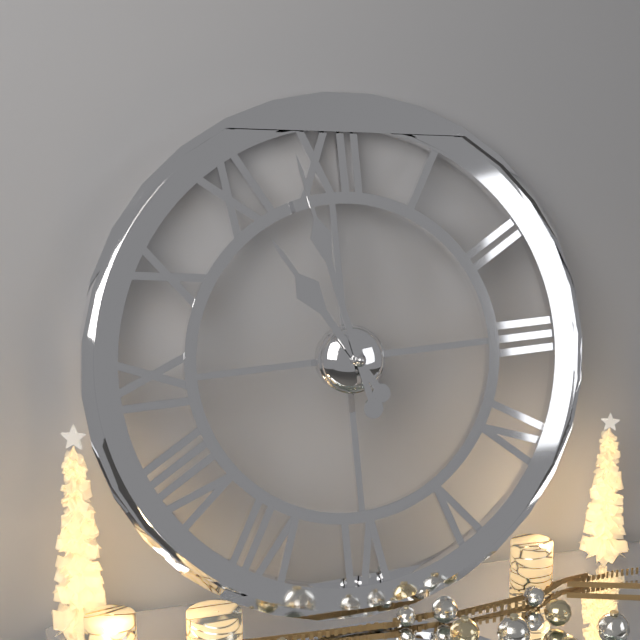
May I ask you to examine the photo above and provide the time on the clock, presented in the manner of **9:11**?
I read **10:58**
